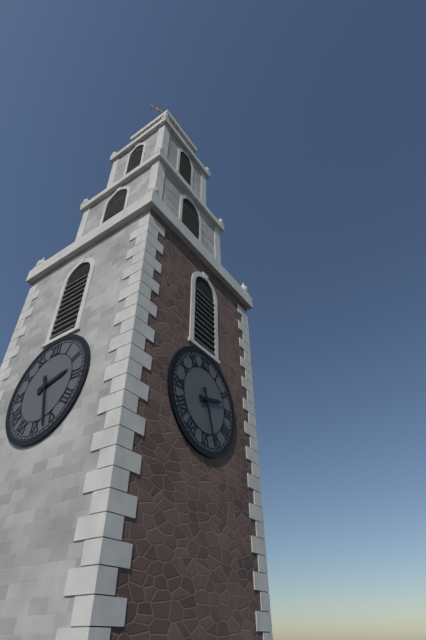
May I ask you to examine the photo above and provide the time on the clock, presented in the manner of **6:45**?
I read **2:27**
